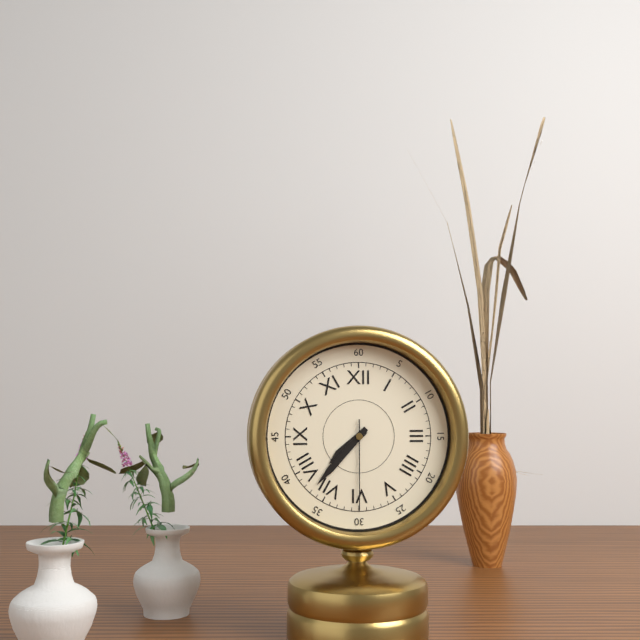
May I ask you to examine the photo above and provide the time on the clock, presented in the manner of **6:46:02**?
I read **7:37:30**
